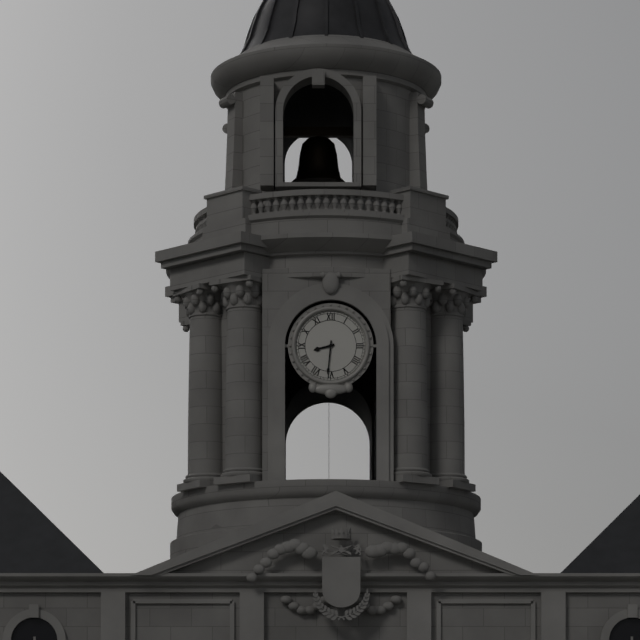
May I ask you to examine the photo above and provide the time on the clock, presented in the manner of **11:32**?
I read **8:31**
